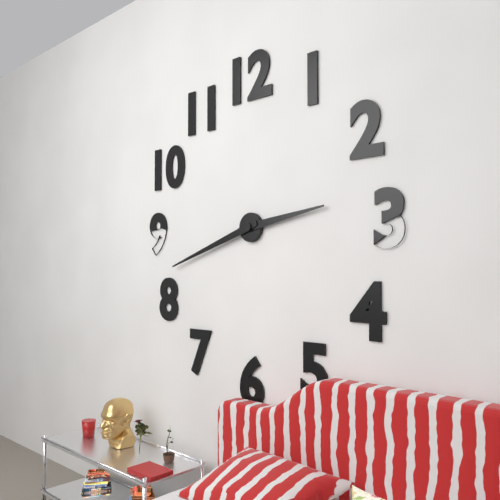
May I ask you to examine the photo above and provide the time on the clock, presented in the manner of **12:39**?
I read **2:42**
